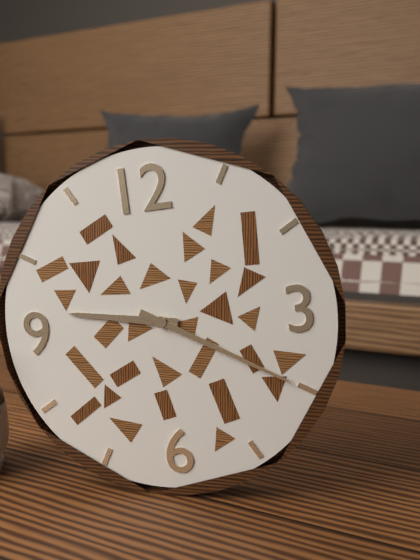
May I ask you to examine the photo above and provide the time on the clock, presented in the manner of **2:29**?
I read **9:20**
